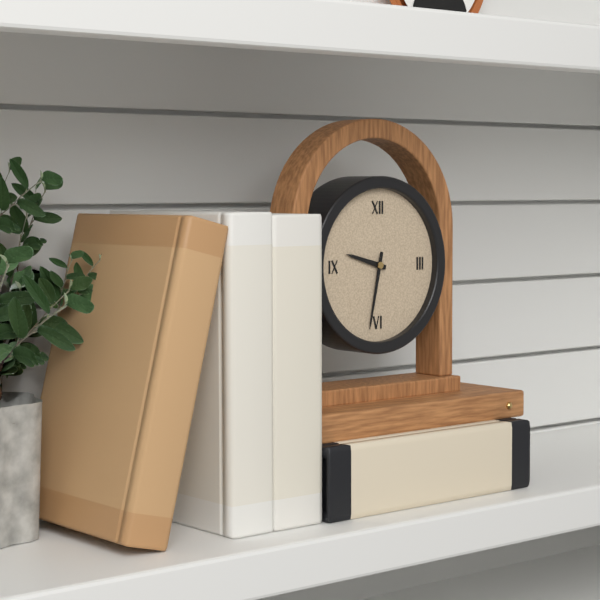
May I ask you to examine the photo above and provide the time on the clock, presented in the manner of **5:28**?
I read **9:32**
